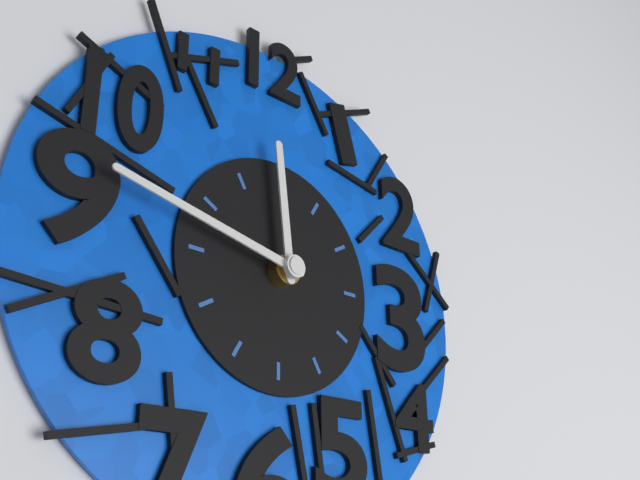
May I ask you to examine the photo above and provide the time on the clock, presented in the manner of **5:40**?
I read **11:47**
